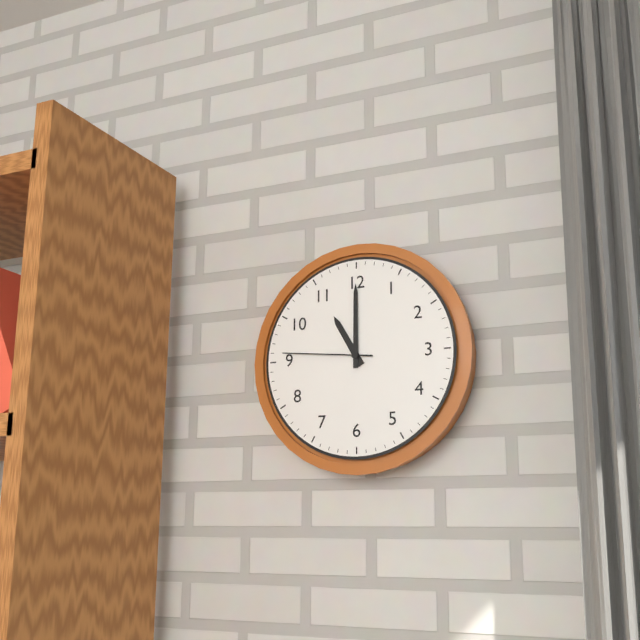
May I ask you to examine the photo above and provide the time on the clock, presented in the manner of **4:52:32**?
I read **11:00:46**
